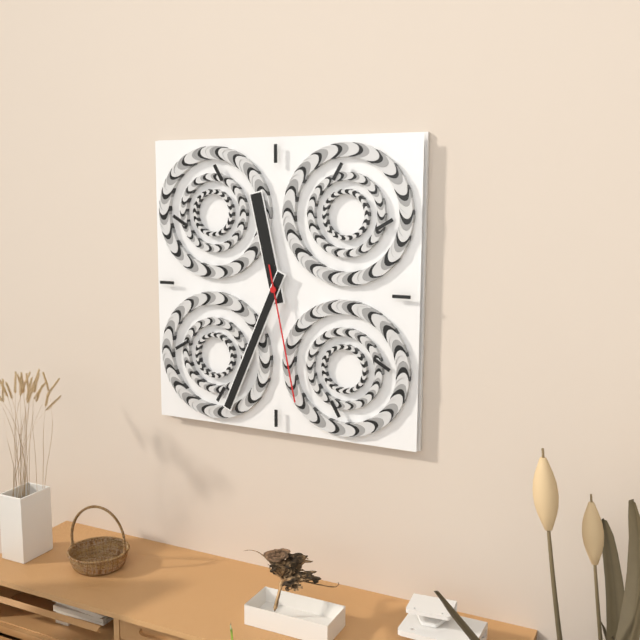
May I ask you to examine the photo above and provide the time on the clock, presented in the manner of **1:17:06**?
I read **11:34:28**
